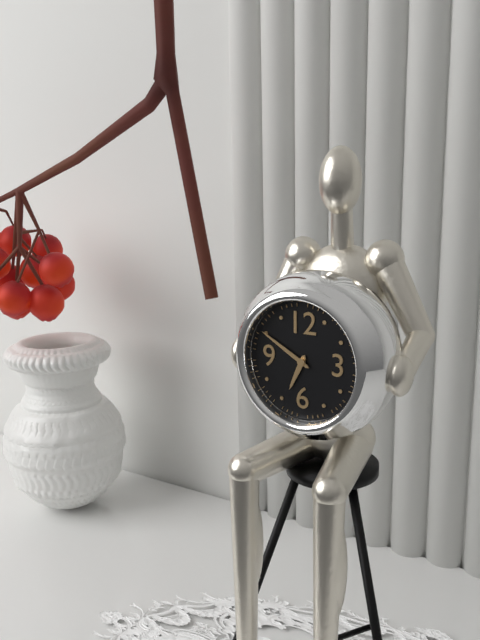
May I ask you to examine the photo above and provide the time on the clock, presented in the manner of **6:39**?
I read **6:50**
